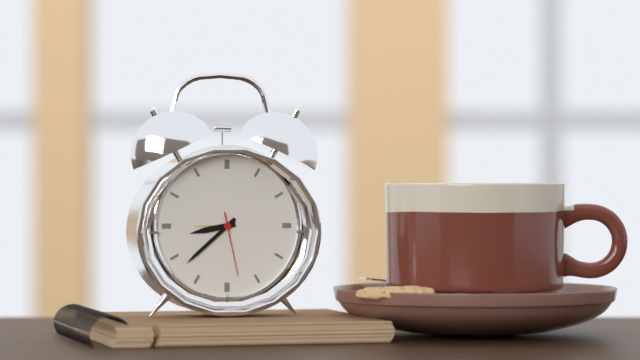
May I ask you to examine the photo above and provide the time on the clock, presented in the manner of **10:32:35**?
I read **8:38:28**
